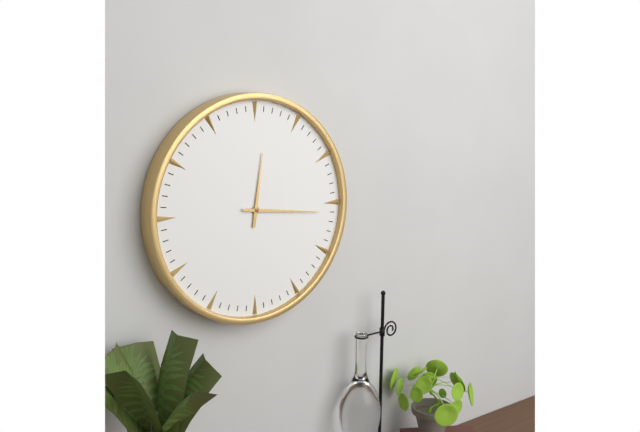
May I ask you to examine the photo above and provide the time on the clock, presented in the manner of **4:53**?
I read **12:16**
